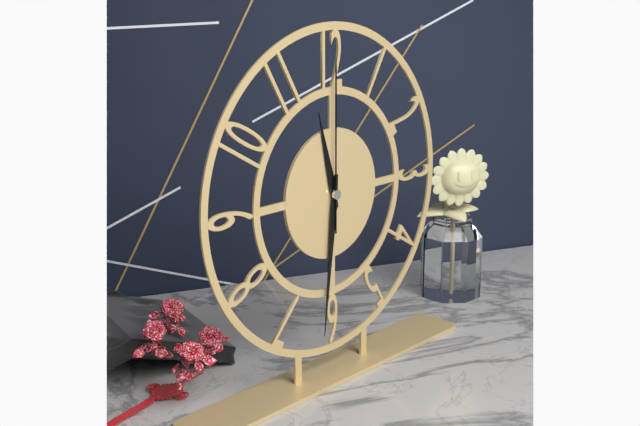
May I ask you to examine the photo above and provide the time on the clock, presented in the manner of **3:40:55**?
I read **11:31:00**
